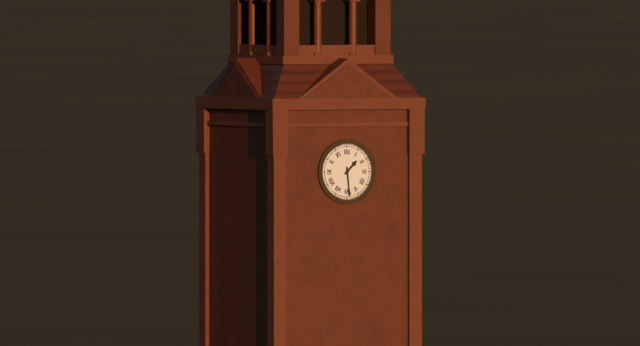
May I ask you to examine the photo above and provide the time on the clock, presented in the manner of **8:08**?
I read **1:29**
